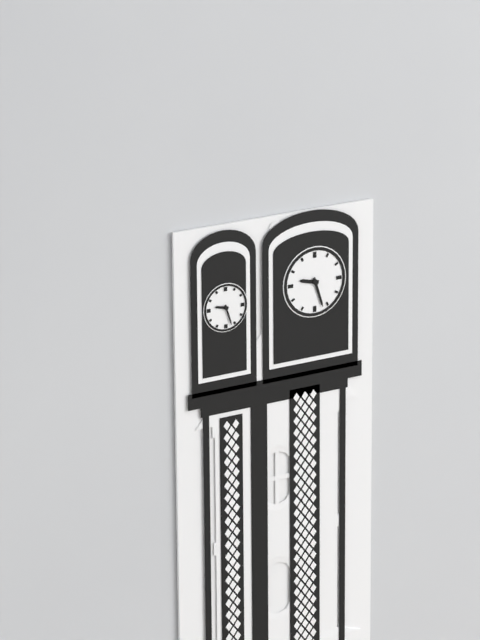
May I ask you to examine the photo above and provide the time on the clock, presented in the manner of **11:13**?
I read **9:27**
